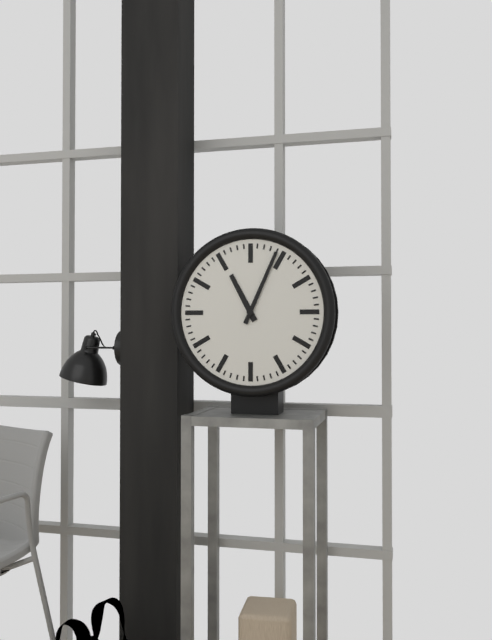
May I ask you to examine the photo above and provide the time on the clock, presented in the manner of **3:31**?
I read **11:04**
